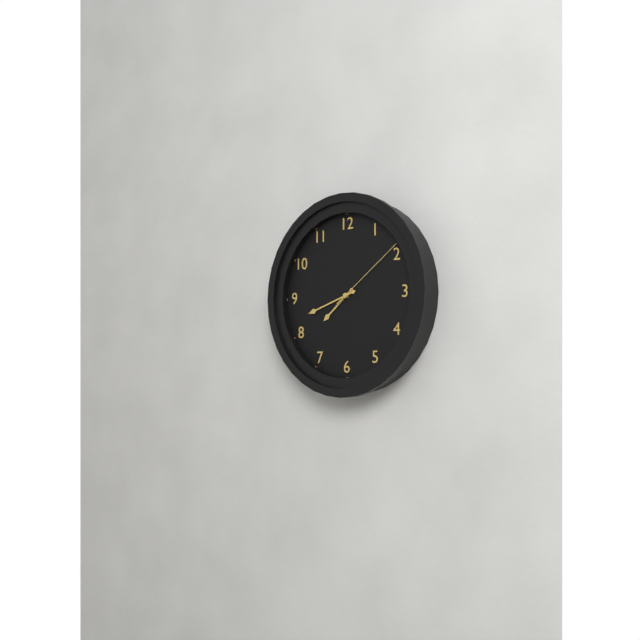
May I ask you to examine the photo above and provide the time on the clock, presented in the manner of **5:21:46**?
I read **7:42:09**
